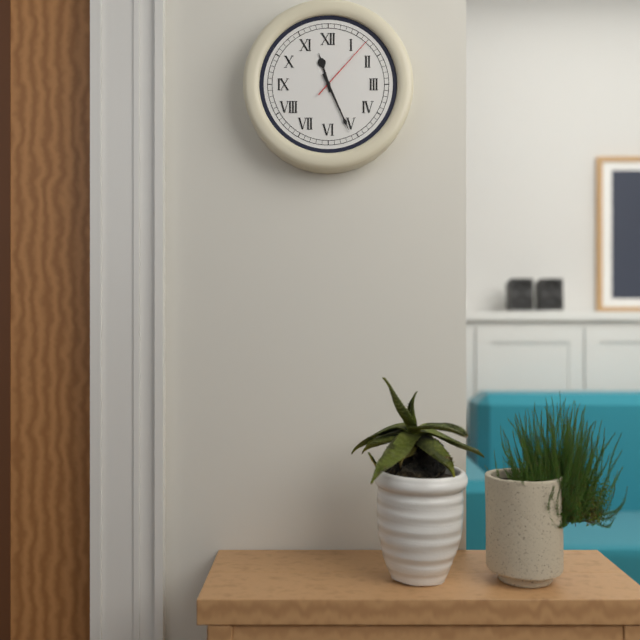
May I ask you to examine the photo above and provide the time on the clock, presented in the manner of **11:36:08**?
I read **11:26:07**
